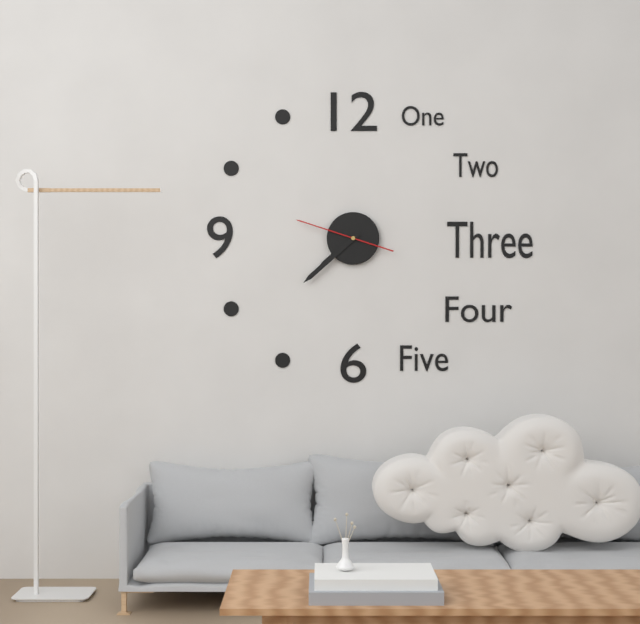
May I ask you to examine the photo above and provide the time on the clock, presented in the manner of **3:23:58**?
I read **7:38:48**
